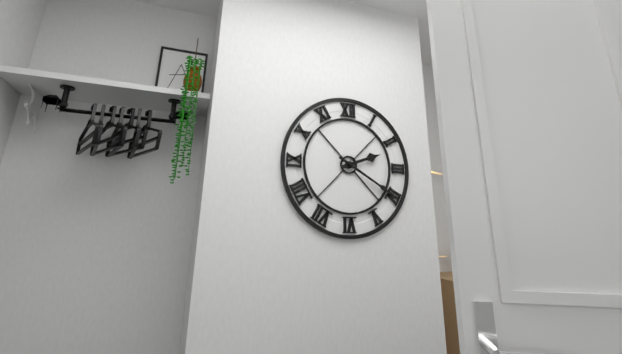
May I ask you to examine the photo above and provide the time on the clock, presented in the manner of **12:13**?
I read **2:20**
